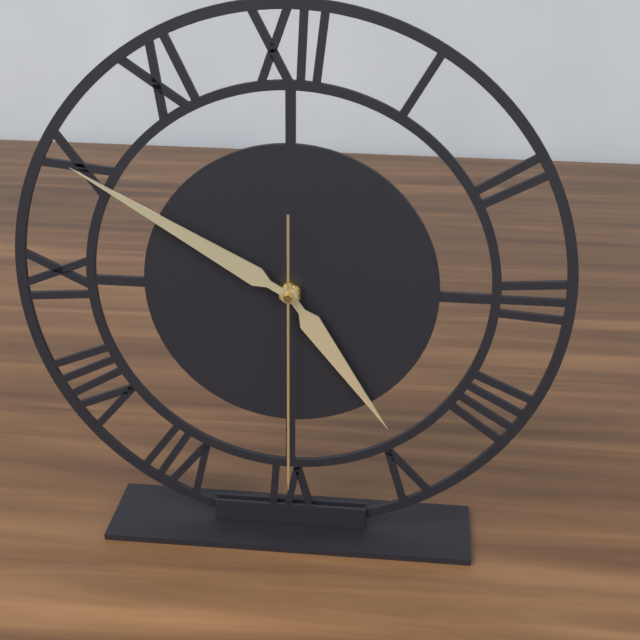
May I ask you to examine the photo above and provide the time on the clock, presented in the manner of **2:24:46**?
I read **4:50:30**
